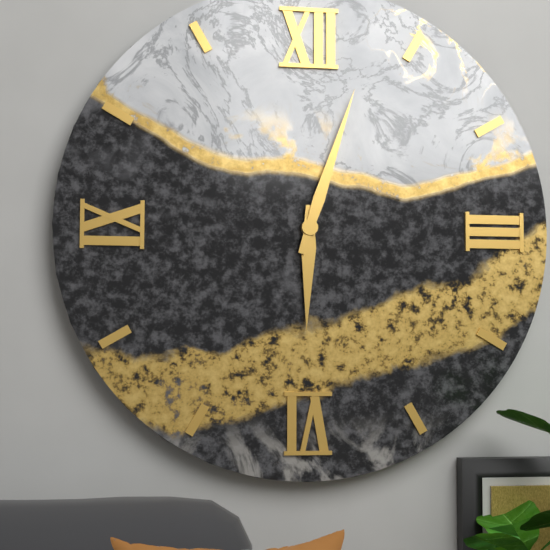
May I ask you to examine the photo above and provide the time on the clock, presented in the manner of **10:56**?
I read **6:03**
